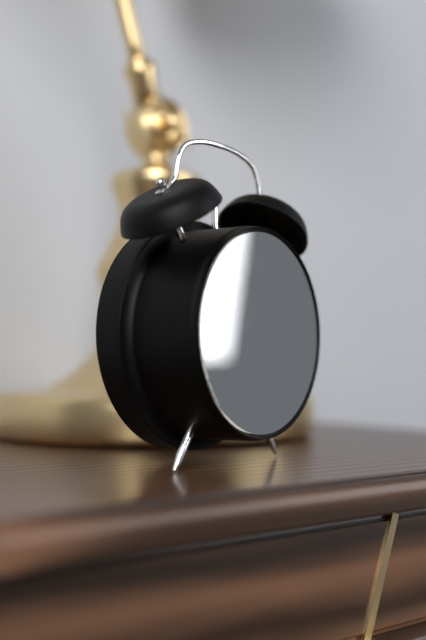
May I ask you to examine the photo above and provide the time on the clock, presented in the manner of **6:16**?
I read **6:05**
